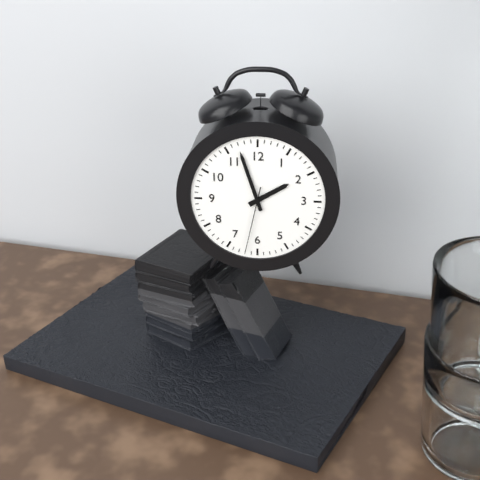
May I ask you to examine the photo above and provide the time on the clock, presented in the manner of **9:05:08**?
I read **1:57:32**
